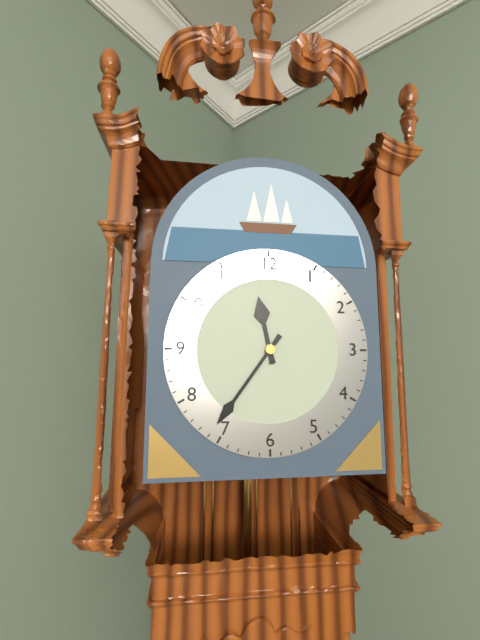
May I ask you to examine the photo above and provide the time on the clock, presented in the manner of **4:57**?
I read **11:36**
